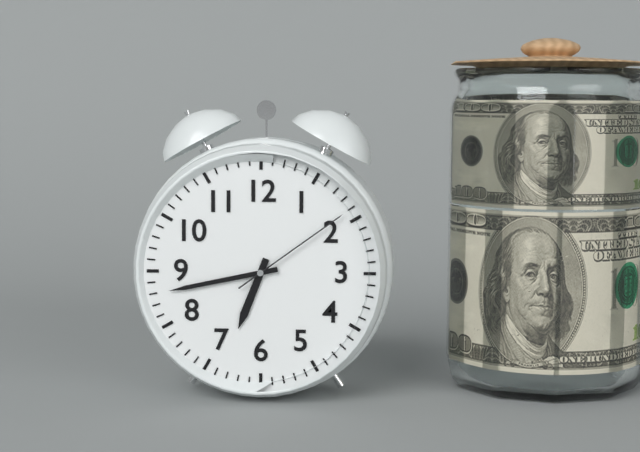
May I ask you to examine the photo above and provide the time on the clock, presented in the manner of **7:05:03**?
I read **6:43:09**
